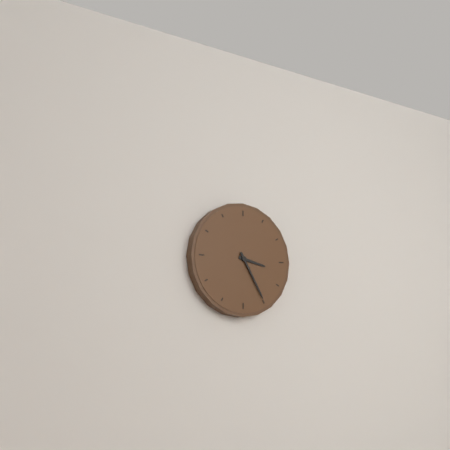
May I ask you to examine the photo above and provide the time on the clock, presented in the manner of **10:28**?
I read **3:25**
